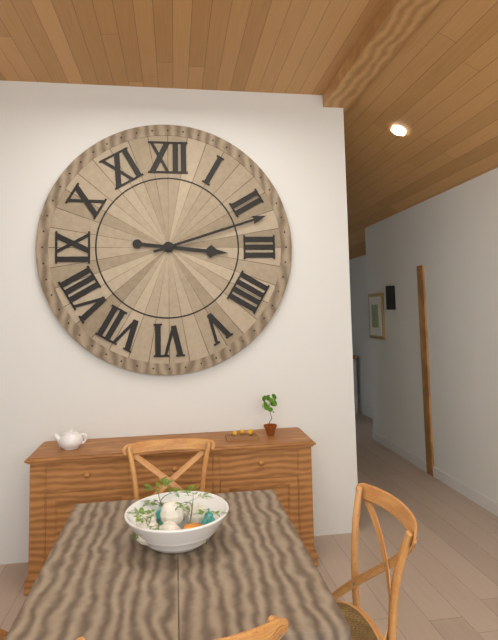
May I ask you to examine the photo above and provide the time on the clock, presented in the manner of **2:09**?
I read **3:12**
